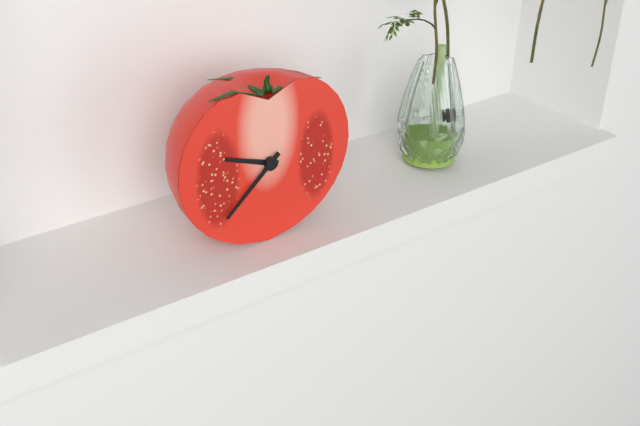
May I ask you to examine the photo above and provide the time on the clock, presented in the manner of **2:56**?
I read **9:38**
